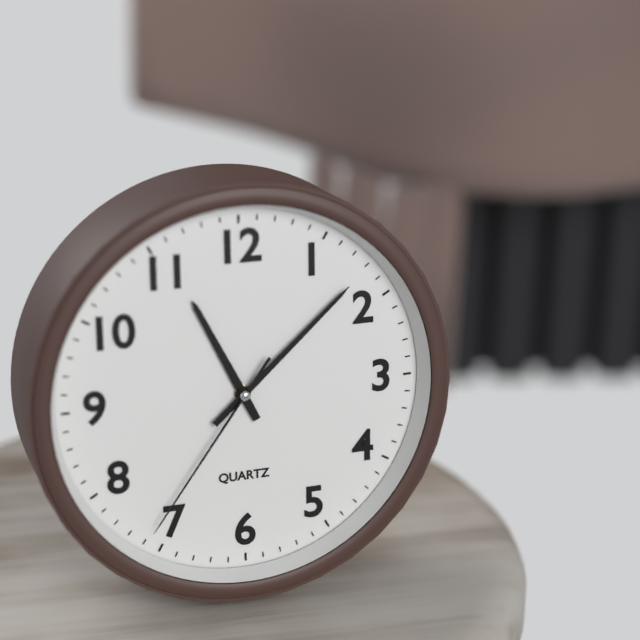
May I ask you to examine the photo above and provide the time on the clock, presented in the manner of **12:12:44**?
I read **11:08:36**
